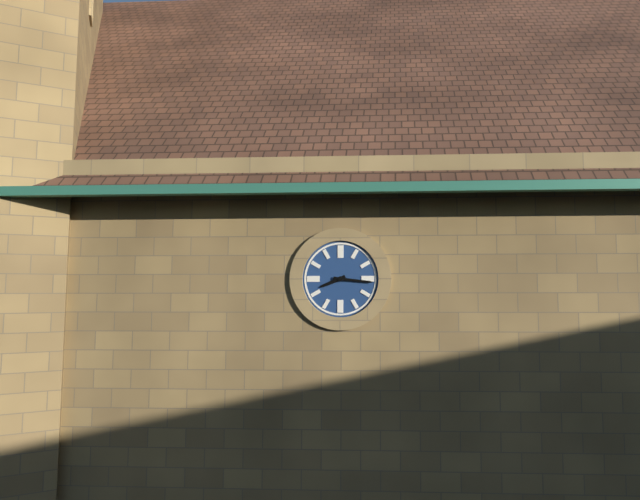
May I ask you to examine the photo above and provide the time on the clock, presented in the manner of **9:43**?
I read **8:16**
